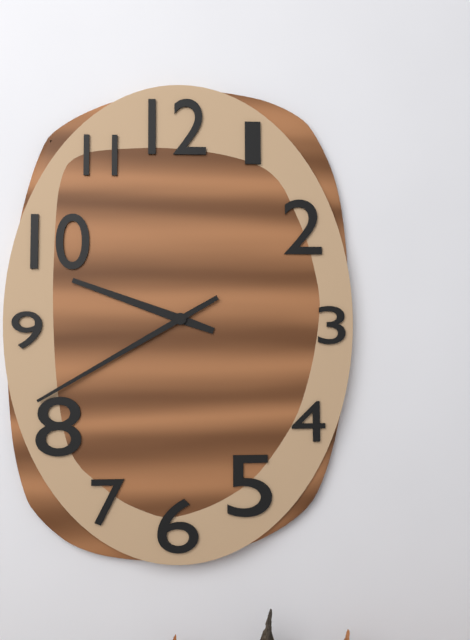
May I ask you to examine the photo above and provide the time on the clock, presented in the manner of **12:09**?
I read **9:40**
